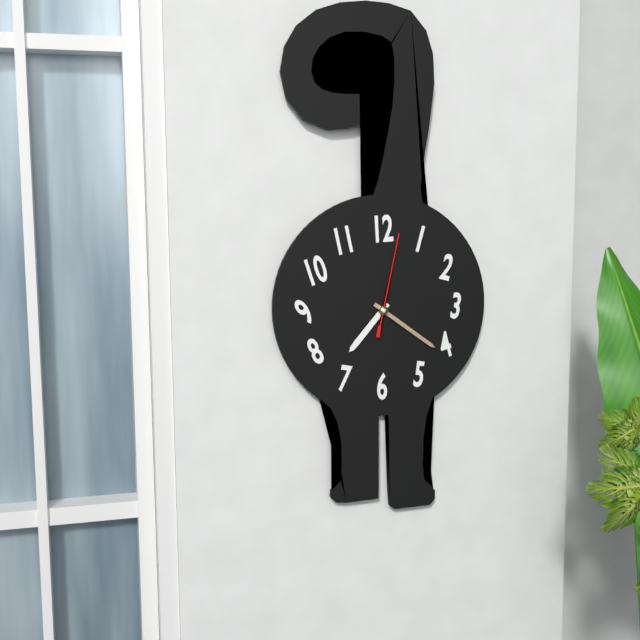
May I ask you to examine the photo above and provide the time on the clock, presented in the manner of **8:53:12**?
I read **7:21:02**
